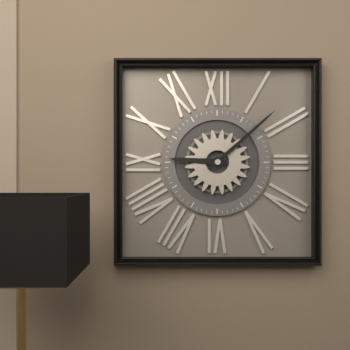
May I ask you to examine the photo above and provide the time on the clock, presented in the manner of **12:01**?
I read **9:08**
